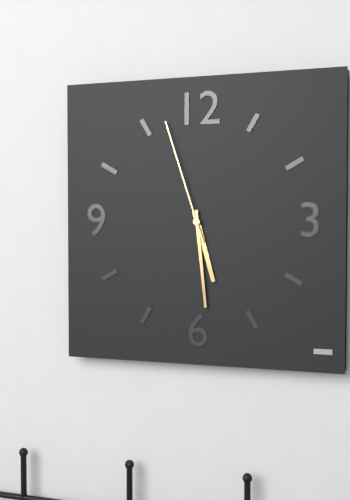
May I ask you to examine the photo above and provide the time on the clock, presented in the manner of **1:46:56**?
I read **5:29:57**
